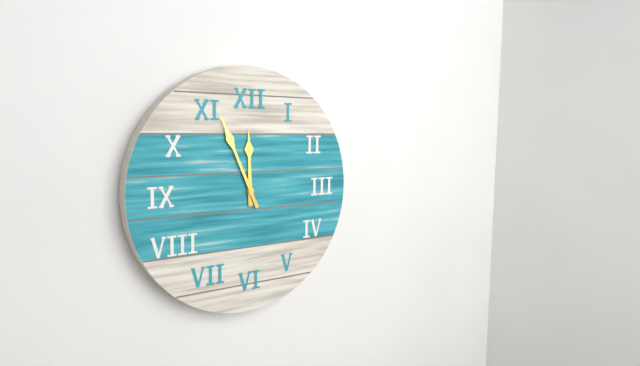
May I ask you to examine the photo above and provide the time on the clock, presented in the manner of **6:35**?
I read **11:56**
